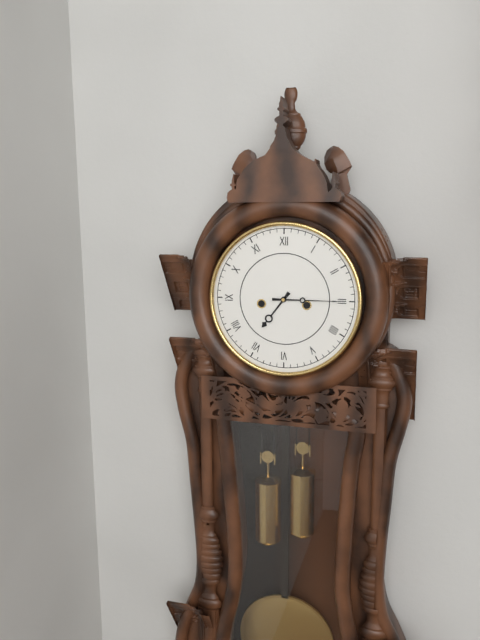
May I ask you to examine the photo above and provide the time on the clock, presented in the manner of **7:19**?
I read **7:15**
